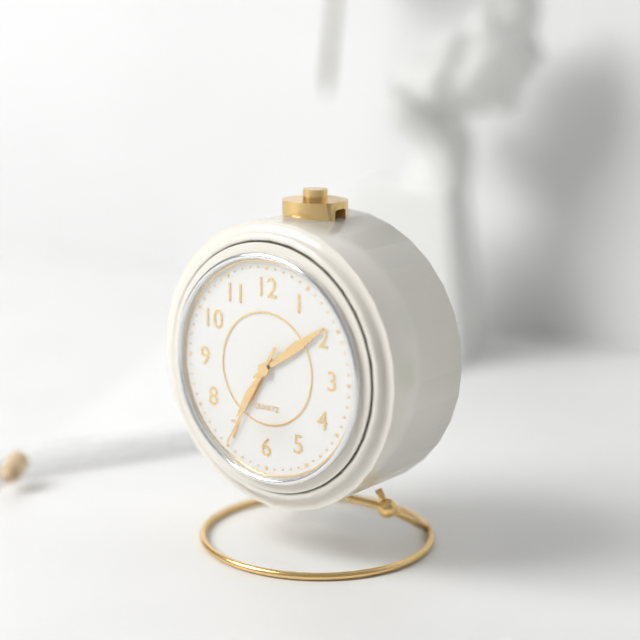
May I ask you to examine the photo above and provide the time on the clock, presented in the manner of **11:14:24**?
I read **7:09:35**
